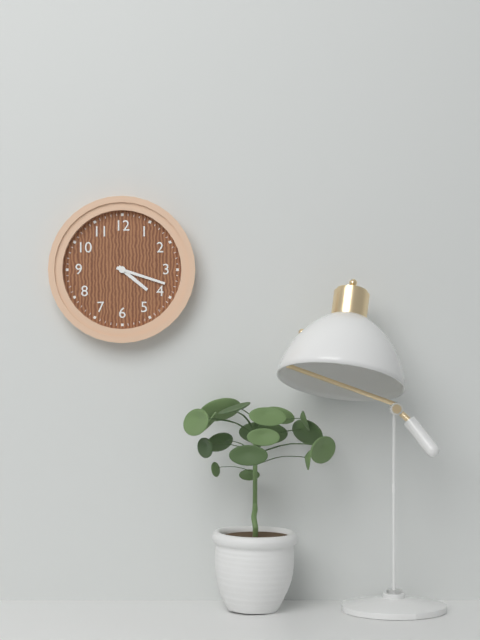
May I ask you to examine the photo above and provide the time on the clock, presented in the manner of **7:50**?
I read **4:18**
